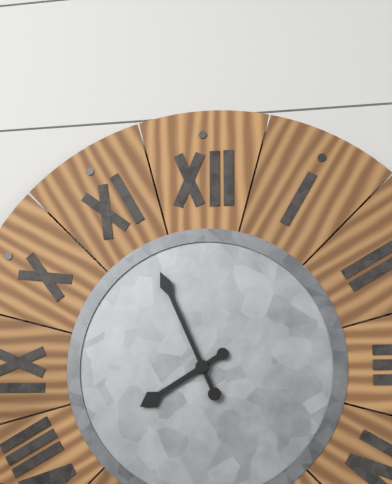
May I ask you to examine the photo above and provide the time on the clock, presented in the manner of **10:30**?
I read **7:56**
